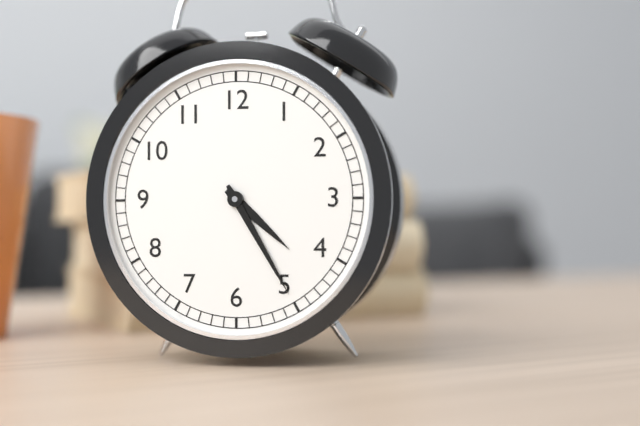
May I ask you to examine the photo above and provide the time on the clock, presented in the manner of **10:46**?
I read **4:25**
